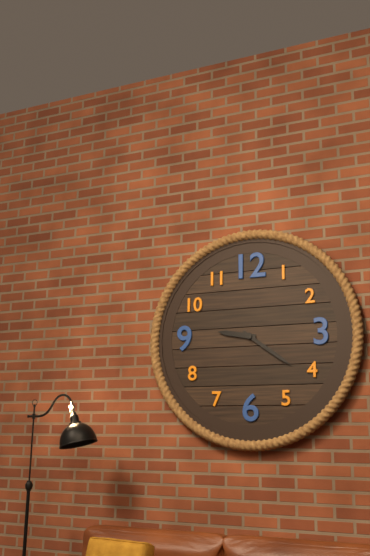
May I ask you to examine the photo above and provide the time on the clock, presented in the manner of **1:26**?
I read **9:21**
